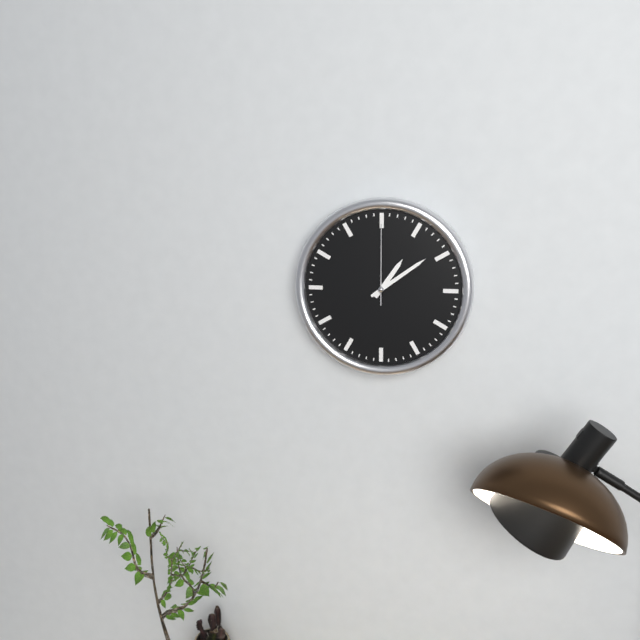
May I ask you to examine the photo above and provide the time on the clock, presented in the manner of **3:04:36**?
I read **1:09:00**
